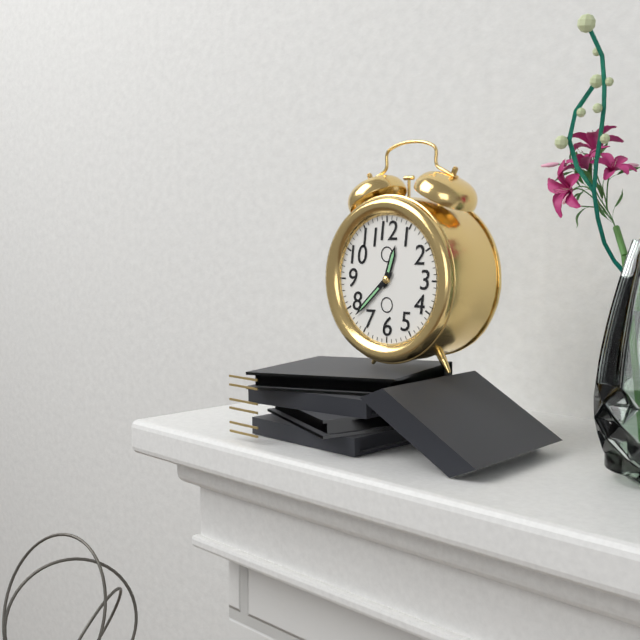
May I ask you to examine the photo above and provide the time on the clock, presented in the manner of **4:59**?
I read **12:38**
